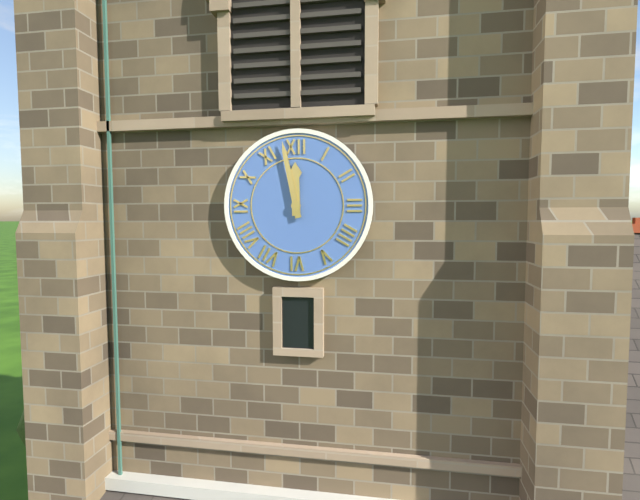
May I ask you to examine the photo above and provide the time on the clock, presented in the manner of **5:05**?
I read **11:58**
